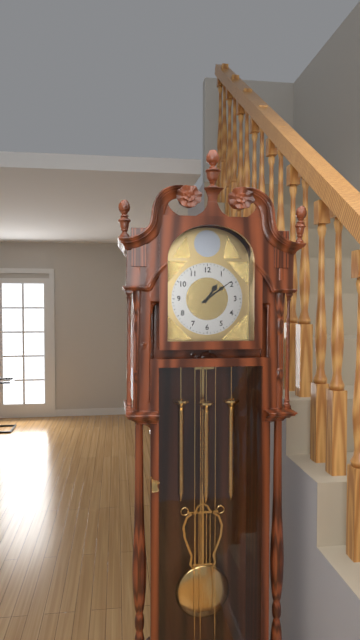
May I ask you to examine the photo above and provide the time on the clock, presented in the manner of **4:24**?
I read **1:09**
